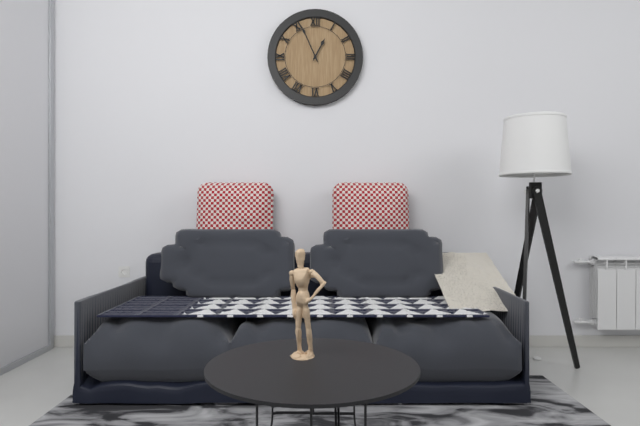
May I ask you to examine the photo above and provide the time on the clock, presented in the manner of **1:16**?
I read **12:56**
